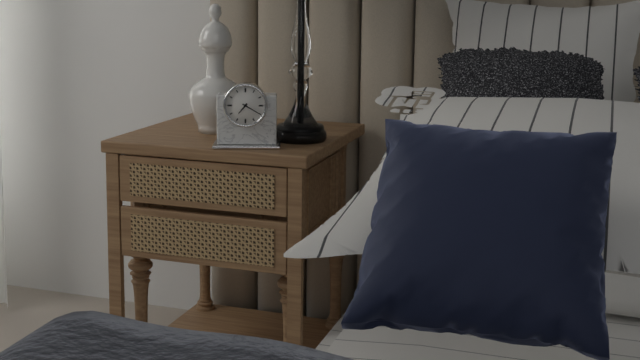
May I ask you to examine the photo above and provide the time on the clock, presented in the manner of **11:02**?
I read **7:20**
